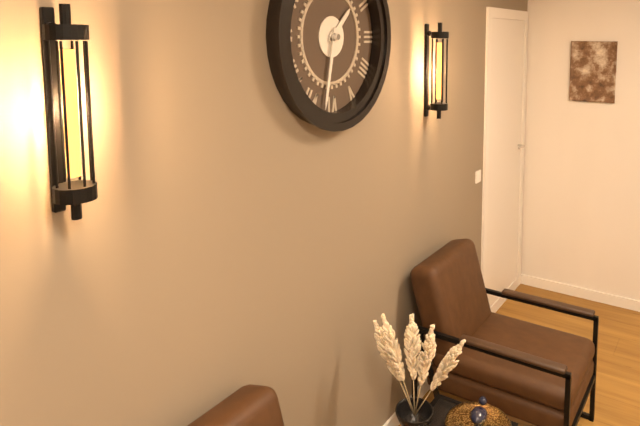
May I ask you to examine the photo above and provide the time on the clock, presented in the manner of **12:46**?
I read **1:32**
